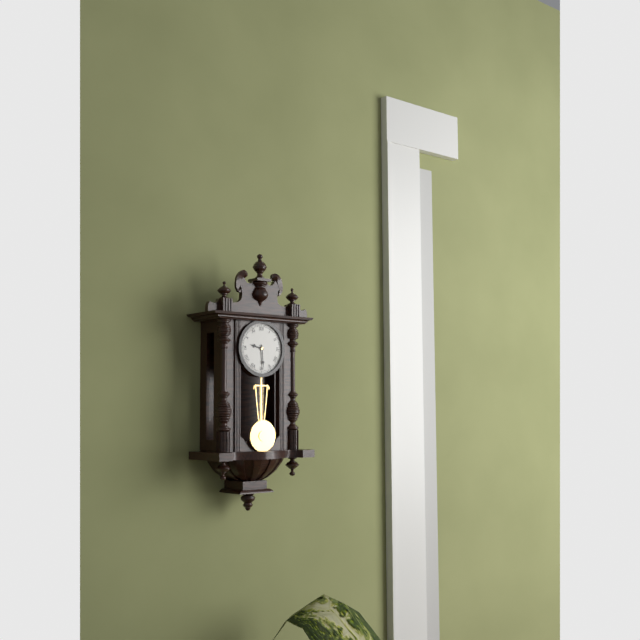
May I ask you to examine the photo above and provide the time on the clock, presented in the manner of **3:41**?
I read **9:29**
